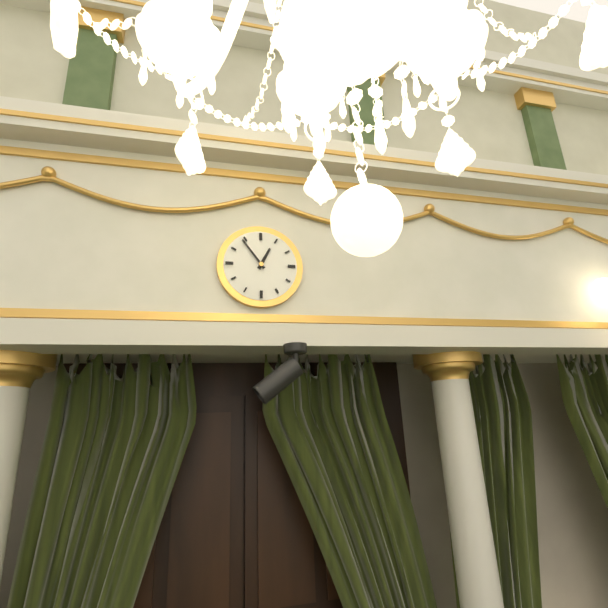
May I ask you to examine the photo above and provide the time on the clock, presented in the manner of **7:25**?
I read **12:54**
